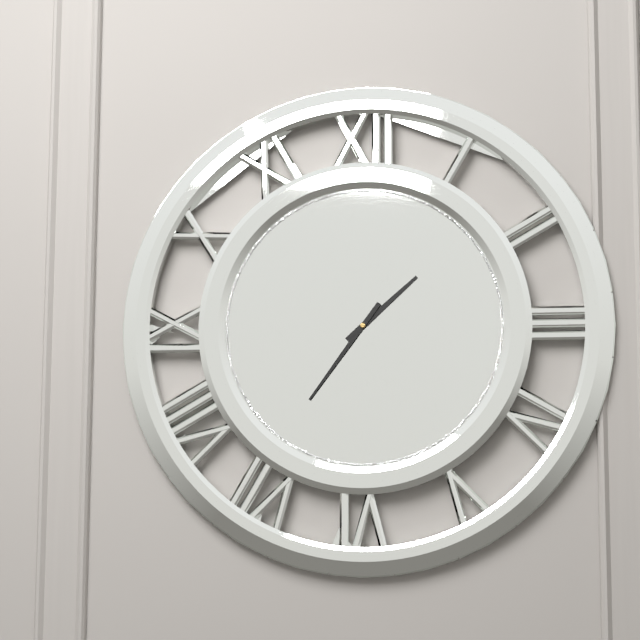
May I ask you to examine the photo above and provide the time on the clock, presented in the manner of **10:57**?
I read **1:36**
